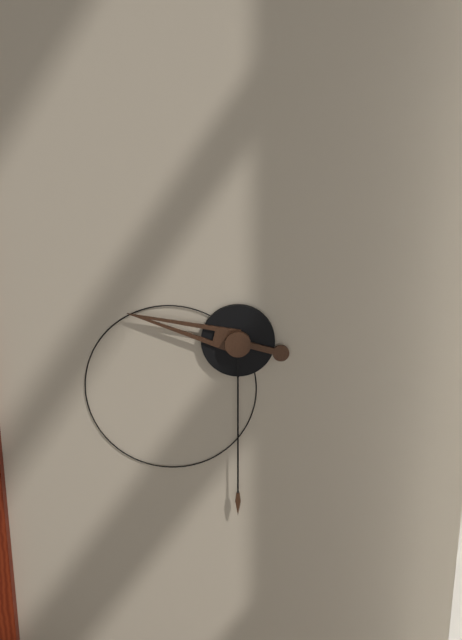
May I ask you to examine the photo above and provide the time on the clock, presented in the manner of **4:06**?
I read **9:30**
